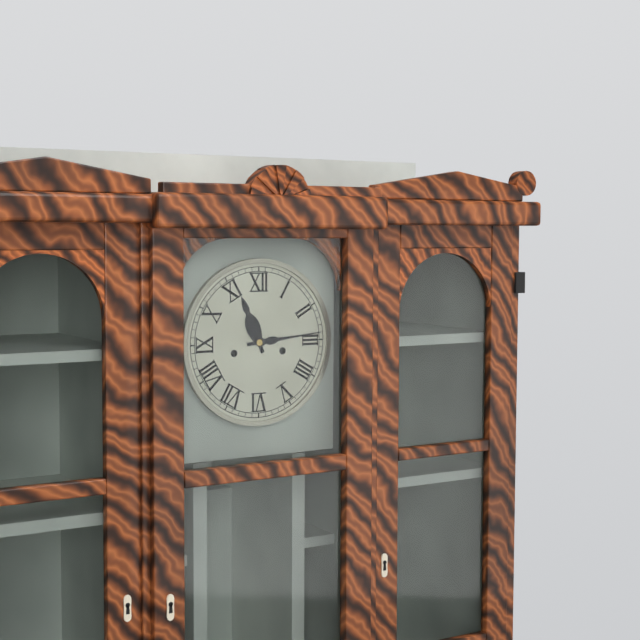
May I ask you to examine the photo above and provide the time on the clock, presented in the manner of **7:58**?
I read **11:14**
